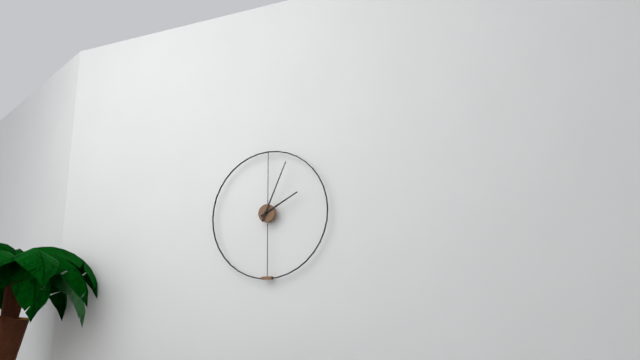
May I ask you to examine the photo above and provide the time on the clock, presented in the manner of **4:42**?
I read **2:04**
